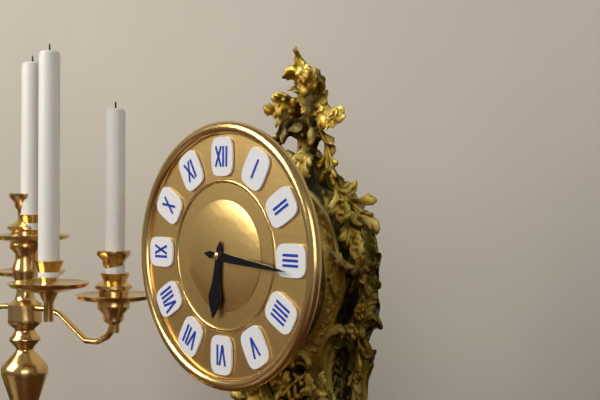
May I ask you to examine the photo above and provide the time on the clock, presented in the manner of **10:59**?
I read **6:16**
